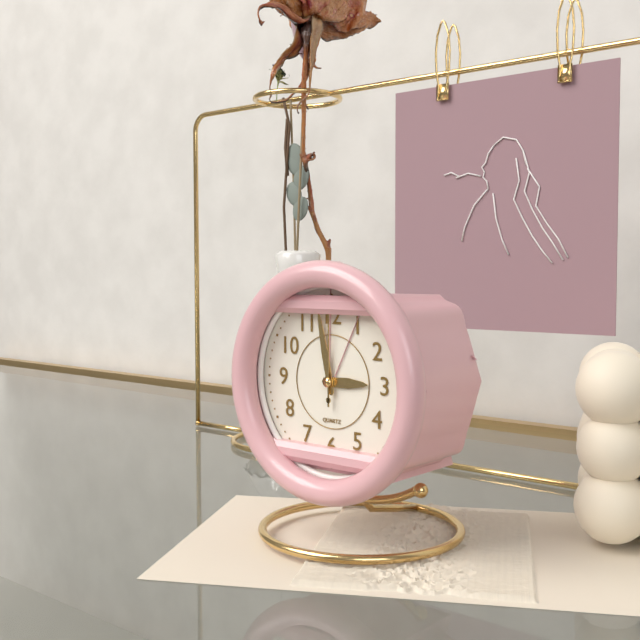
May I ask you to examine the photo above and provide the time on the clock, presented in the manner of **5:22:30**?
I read **2:58:00**
